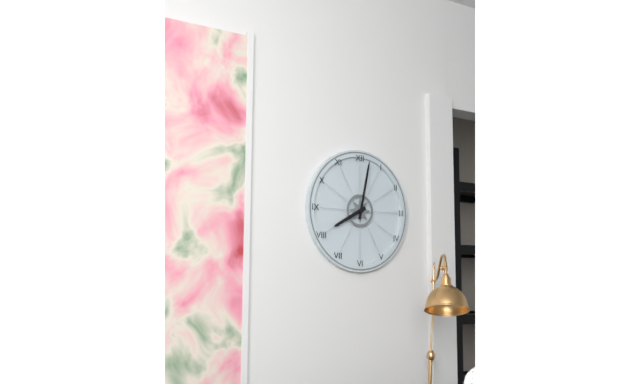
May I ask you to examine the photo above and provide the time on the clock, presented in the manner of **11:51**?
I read **8:02**
